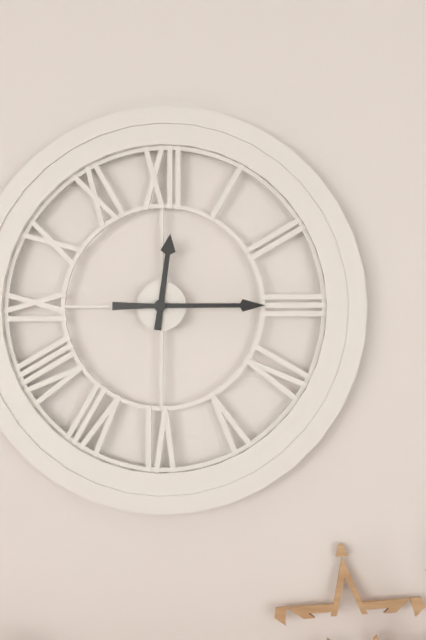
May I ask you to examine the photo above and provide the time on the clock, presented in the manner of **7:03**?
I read **12:15**
